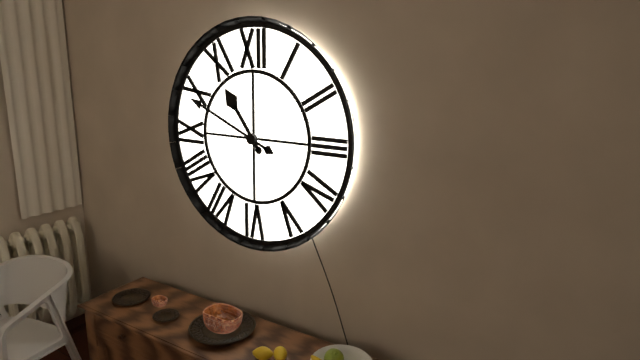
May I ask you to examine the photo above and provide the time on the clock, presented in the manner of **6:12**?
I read **10:49**
